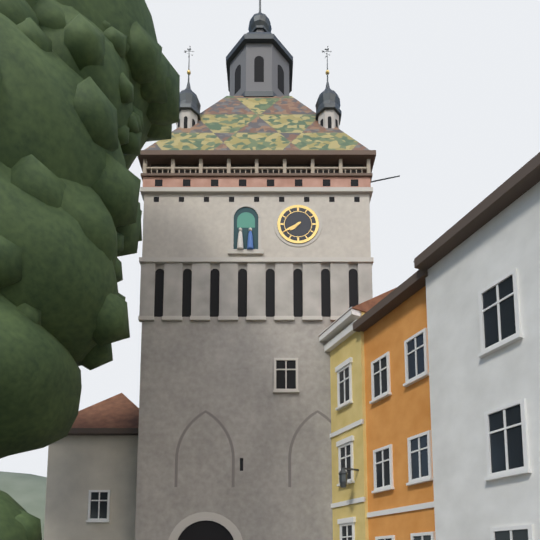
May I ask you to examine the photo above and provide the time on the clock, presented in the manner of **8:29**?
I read **7:40**
